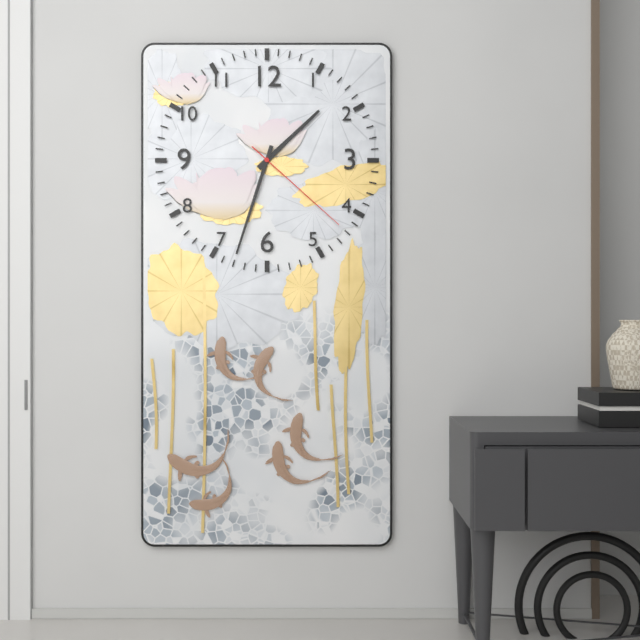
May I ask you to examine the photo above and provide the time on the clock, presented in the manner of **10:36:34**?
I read **1:33:22**
